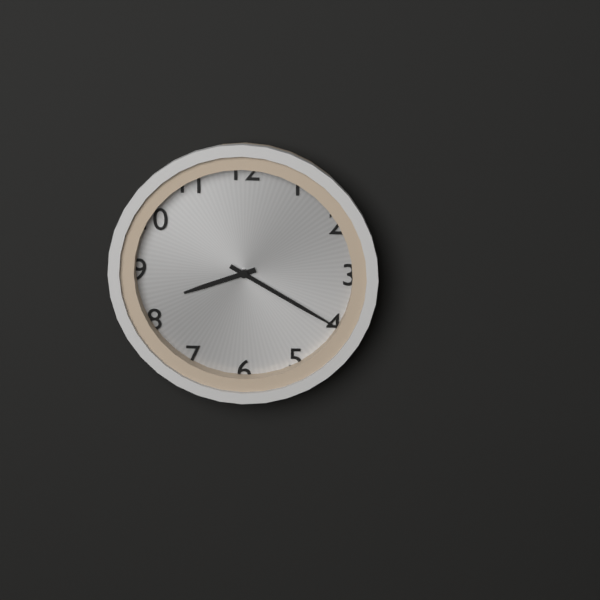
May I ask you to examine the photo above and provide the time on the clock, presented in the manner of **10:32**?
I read **8:20**
